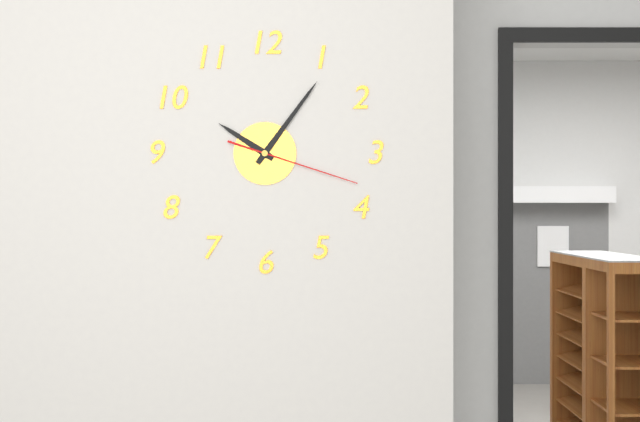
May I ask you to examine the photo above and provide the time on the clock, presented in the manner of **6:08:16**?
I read **10:06:18**
